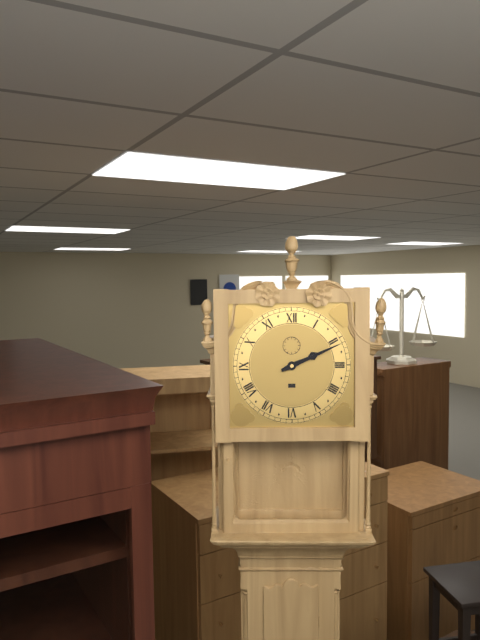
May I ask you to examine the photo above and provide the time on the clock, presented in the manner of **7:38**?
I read **2:11**
